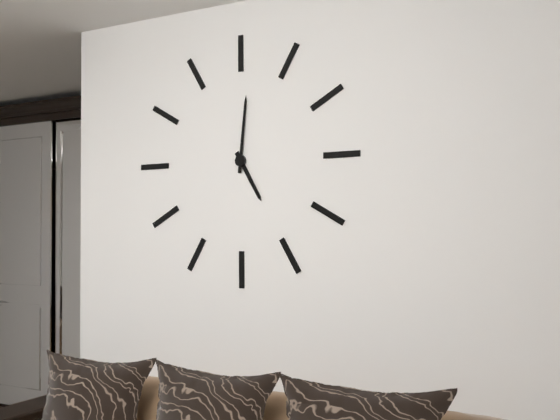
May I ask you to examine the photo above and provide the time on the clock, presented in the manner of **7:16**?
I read **5:01**
